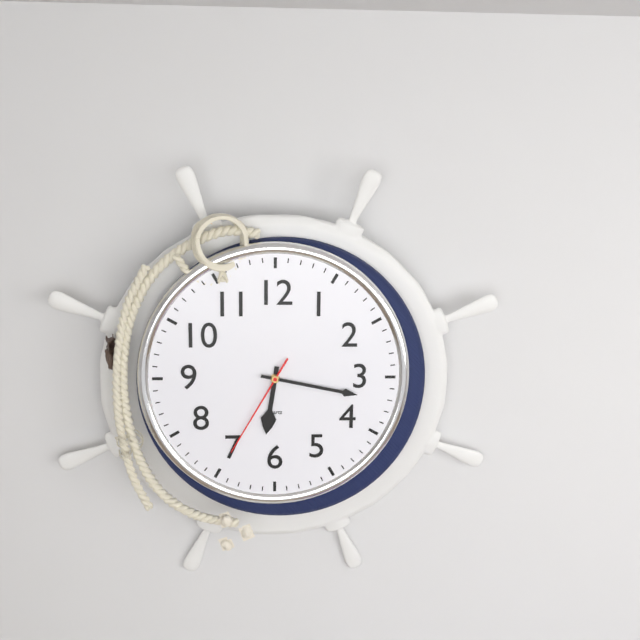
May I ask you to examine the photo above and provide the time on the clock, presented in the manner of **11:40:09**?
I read **6:17:35**
